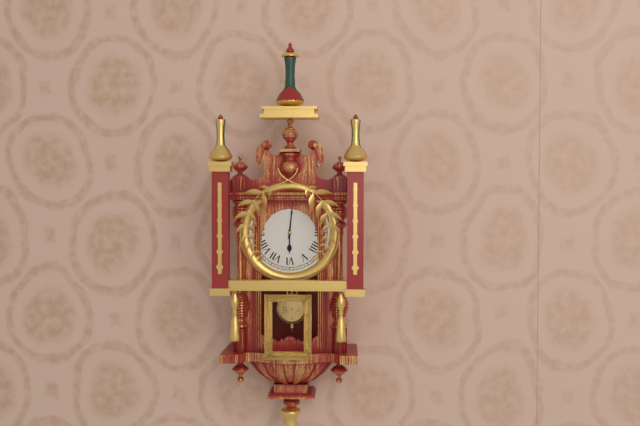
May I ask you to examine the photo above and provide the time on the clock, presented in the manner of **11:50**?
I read **6:01**
